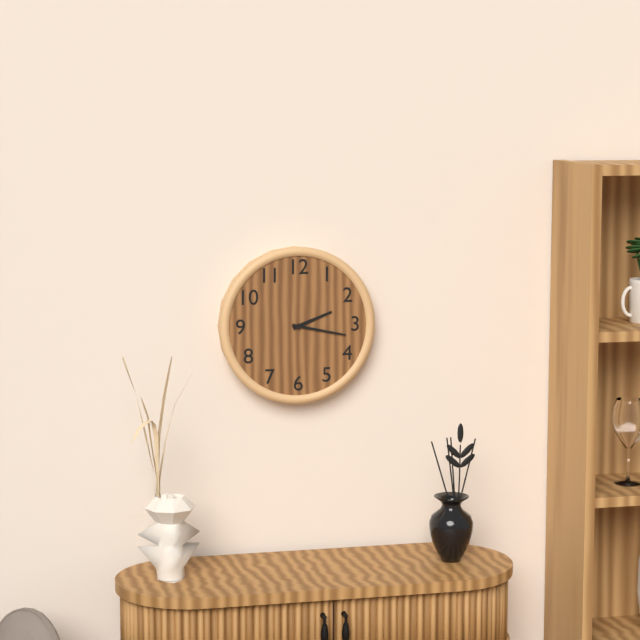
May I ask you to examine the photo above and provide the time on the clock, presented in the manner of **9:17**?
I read **2:17**
